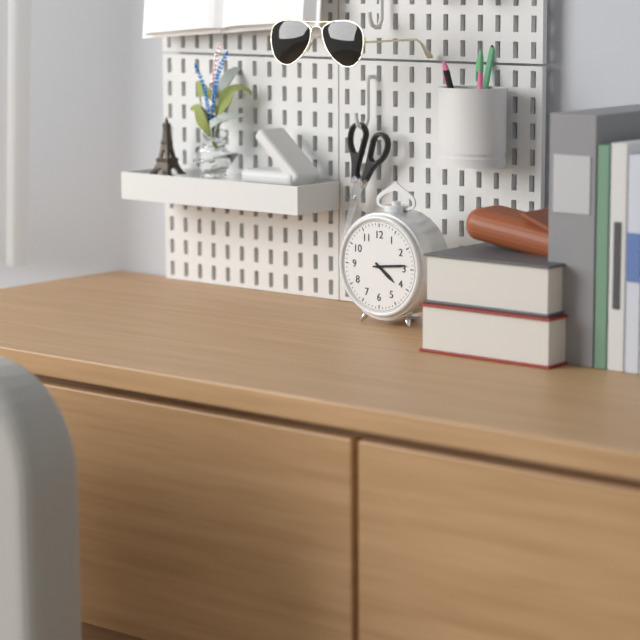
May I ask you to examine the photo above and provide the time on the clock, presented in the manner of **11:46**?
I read **4:14**
